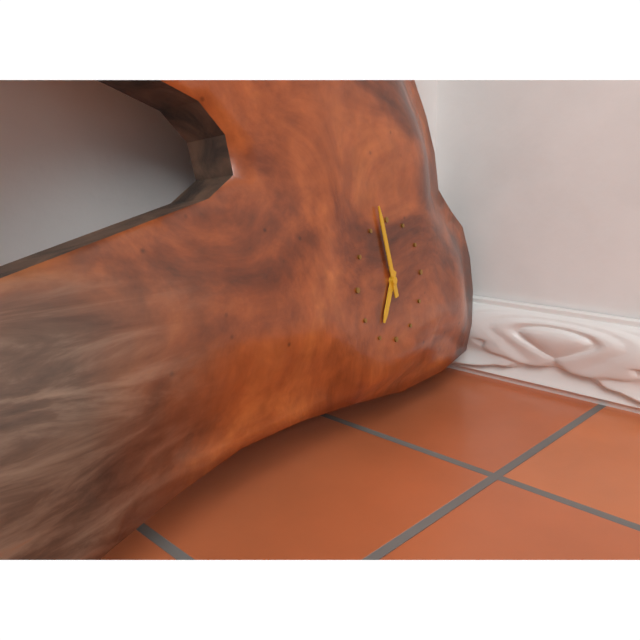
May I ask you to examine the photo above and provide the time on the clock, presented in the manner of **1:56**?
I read **6:58**
